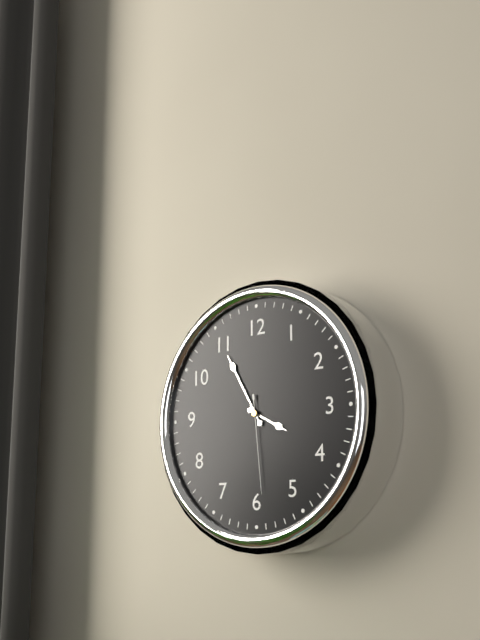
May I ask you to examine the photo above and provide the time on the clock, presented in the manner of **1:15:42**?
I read **3:55:29**
